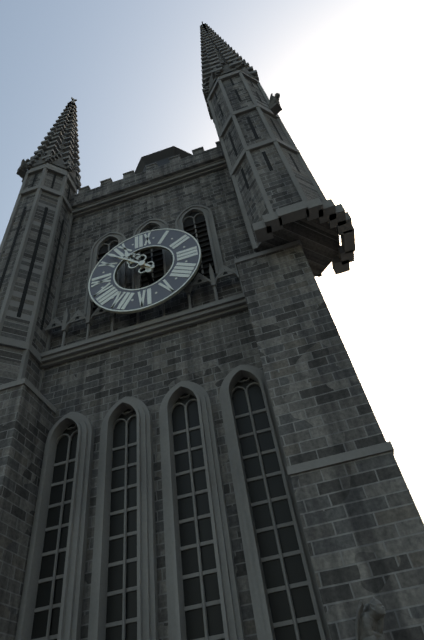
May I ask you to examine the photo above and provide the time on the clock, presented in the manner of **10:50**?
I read **10:52**
